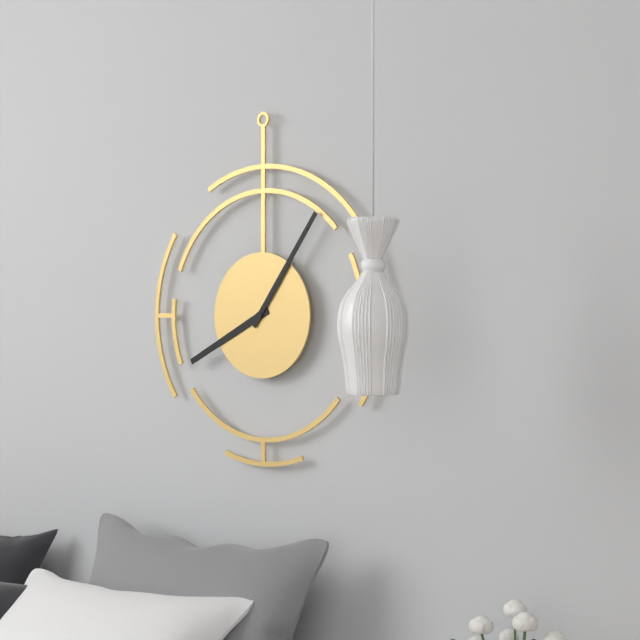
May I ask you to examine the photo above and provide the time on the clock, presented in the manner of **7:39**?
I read **8:06**
